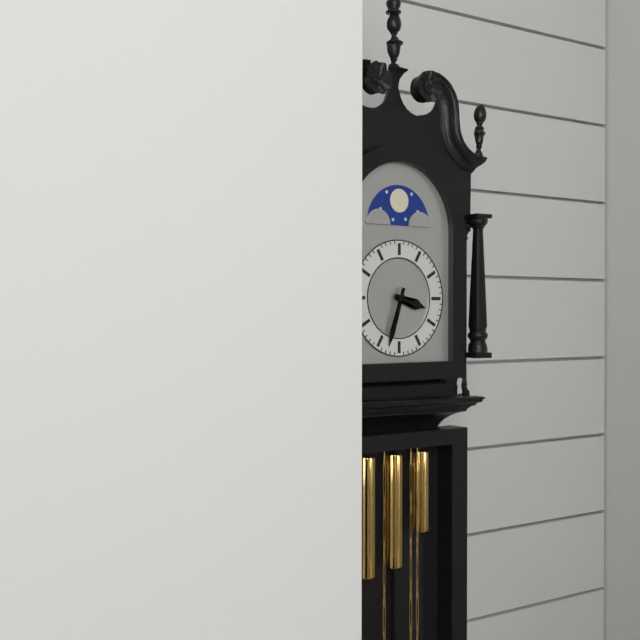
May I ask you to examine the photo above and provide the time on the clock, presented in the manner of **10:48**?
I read **3:33**
